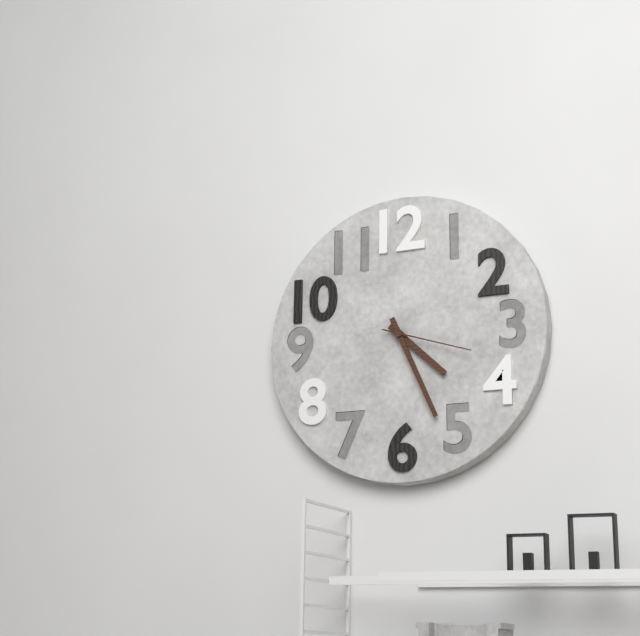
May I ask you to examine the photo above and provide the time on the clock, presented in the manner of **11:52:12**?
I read **4:26:18**
